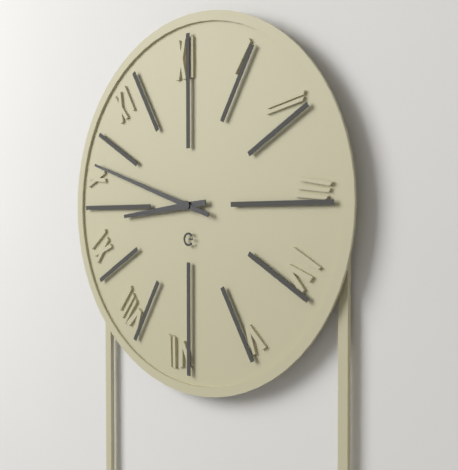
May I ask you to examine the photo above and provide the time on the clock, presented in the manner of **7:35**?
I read **8:48**
